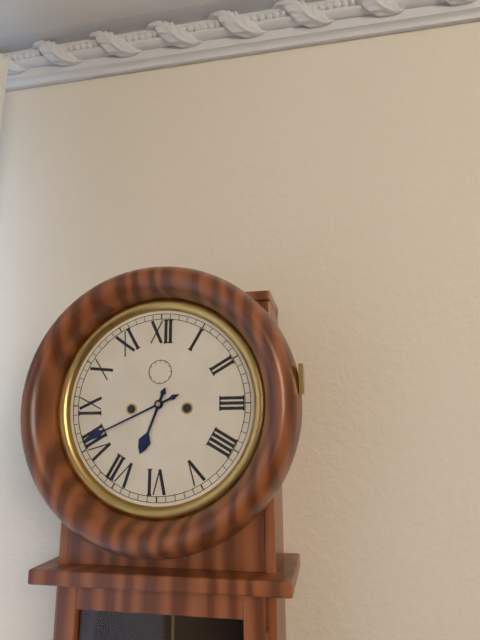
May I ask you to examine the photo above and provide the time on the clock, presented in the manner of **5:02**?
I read **6:41**
